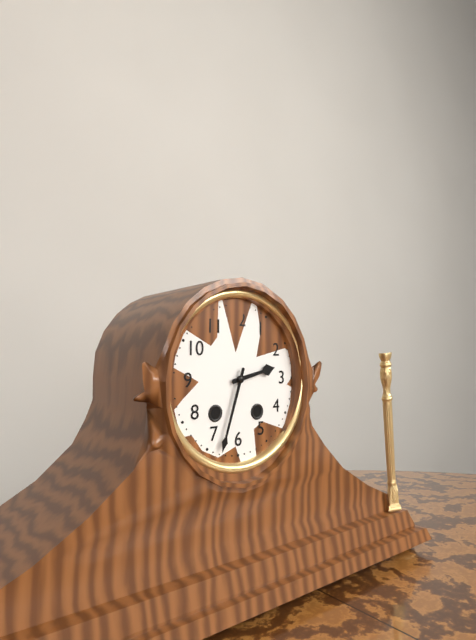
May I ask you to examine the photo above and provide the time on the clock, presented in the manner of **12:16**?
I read **2:33**
